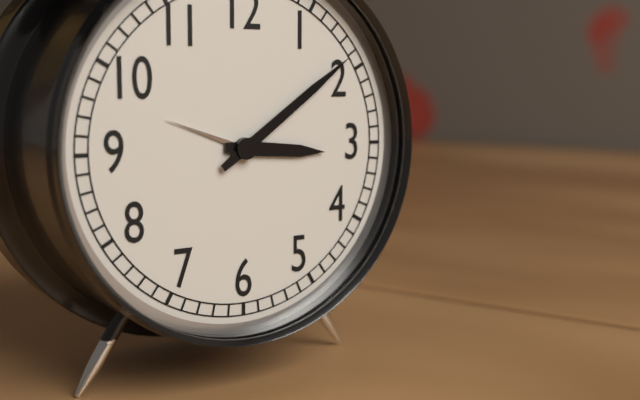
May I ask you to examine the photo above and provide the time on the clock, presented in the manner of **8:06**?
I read **3:09**
